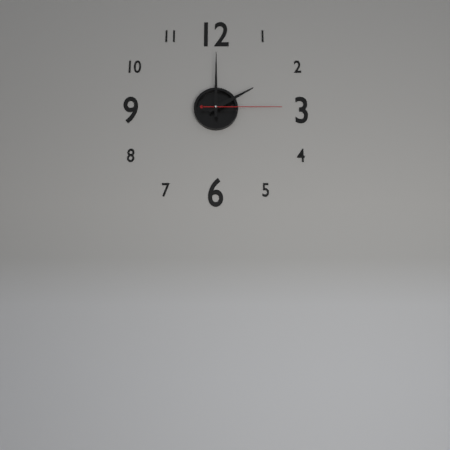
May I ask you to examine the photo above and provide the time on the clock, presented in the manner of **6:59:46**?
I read **2:00:15**
